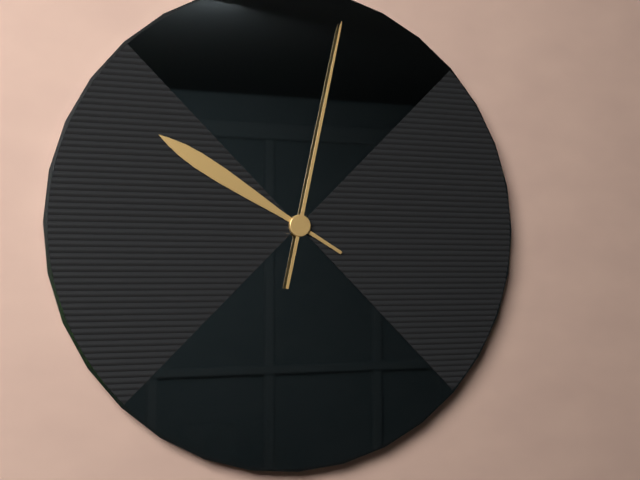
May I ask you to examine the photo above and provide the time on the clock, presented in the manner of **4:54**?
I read **10:02**
